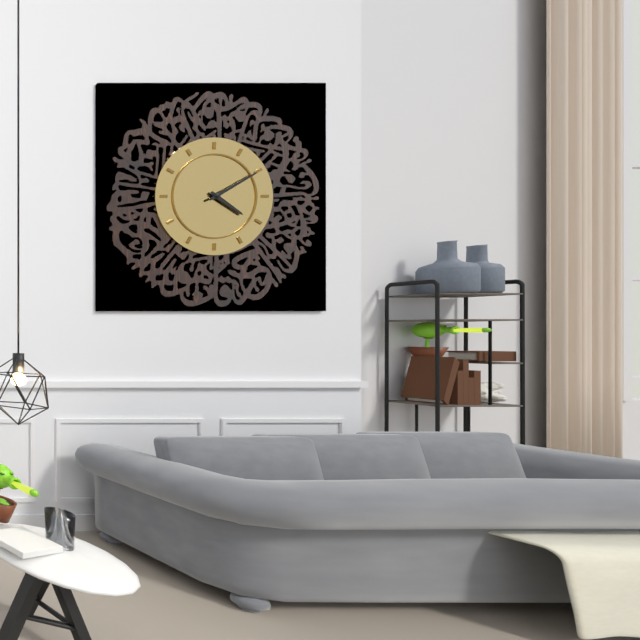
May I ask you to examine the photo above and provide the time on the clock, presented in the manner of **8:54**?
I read **4:10**
